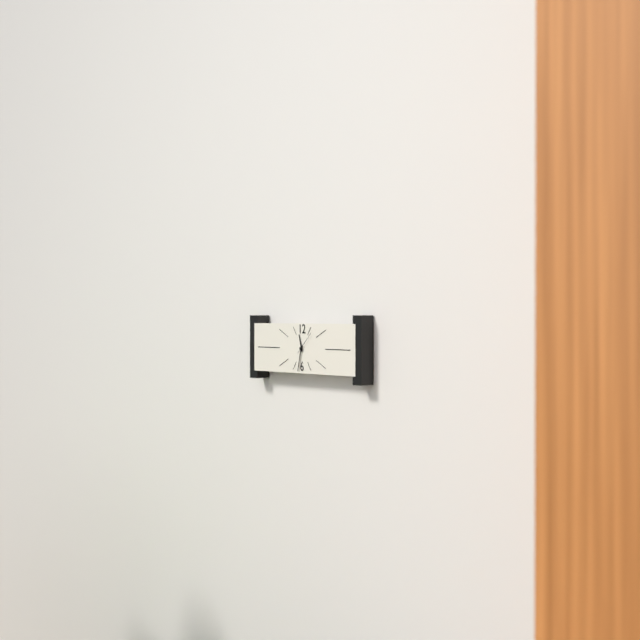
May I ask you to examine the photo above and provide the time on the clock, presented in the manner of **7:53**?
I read **11:32**
